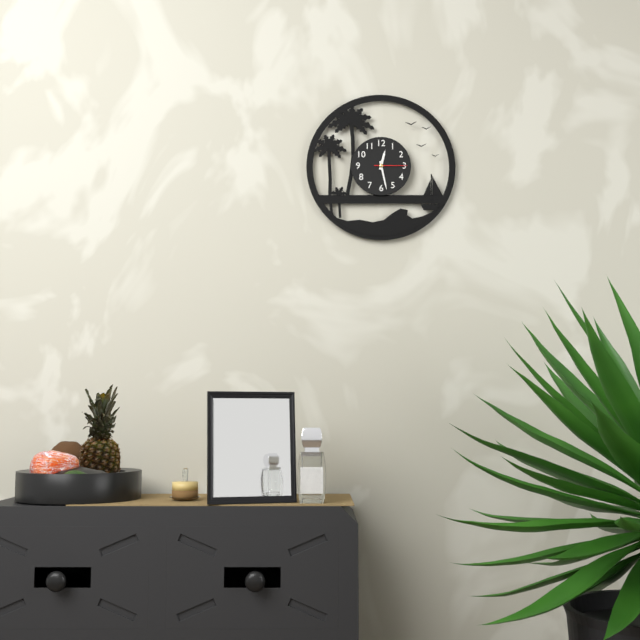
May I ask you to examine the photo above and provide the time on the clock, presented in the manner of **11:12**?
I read **12:28**
